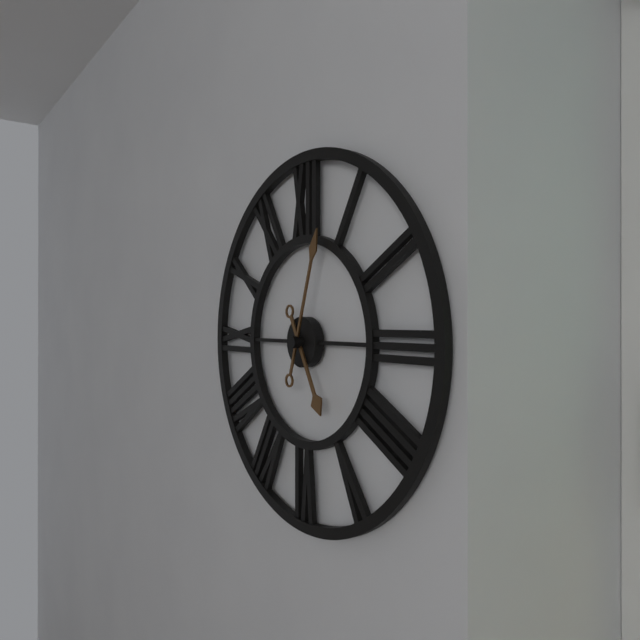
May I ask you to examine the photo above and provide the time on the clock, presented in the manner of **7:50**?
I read **5:03**
